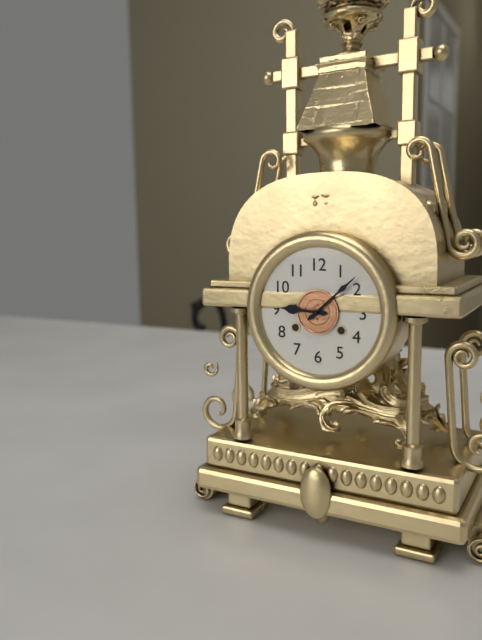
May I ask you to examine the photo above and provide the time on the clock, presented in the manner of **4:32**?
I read **9:08**
